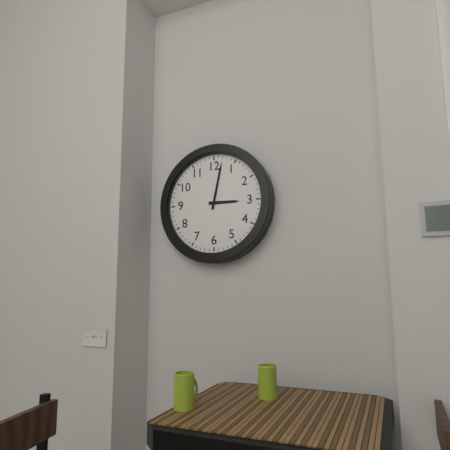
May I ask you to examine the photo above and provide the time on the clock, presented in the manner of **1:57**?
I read **3:02**
